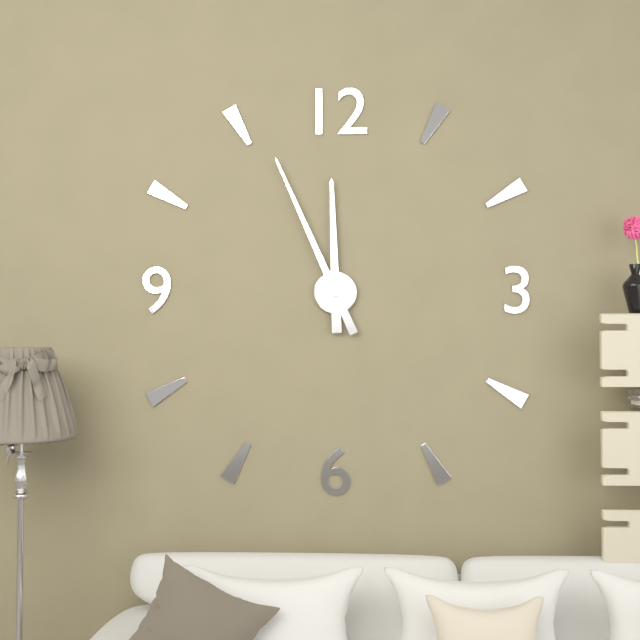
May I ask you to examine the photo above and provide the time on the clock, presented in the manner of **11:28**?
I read **11:56**
